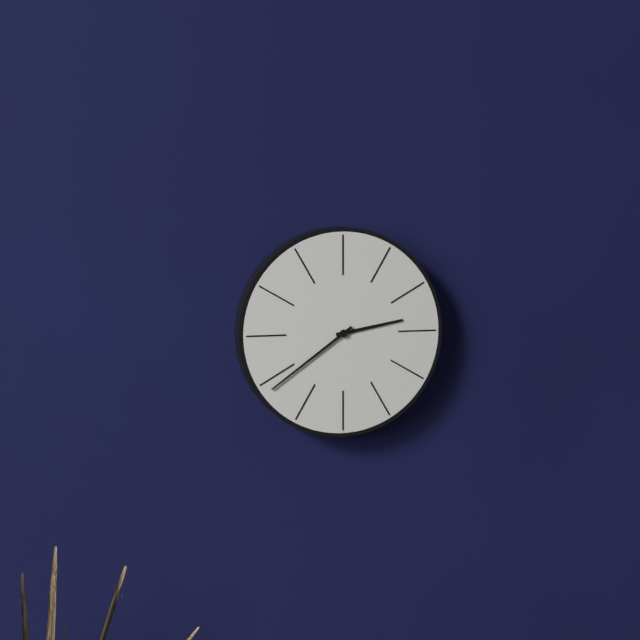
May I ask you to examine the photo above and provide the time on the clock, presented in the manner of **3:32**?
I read **2:39**
